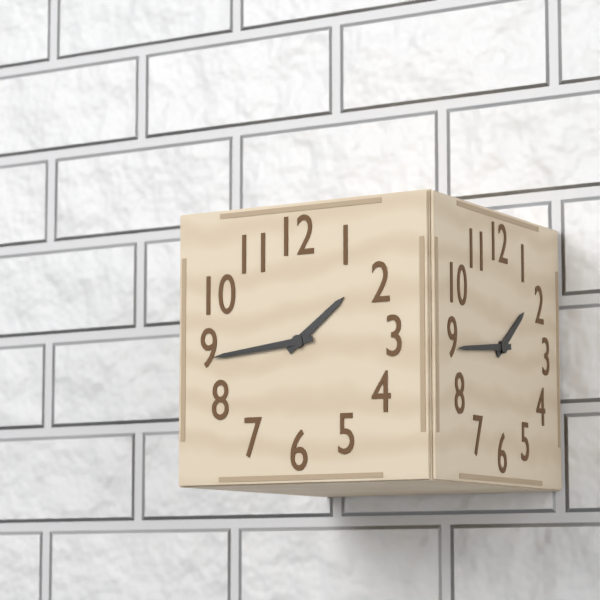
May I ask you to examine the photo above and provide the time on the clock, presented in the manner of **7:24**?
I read **1:44**
